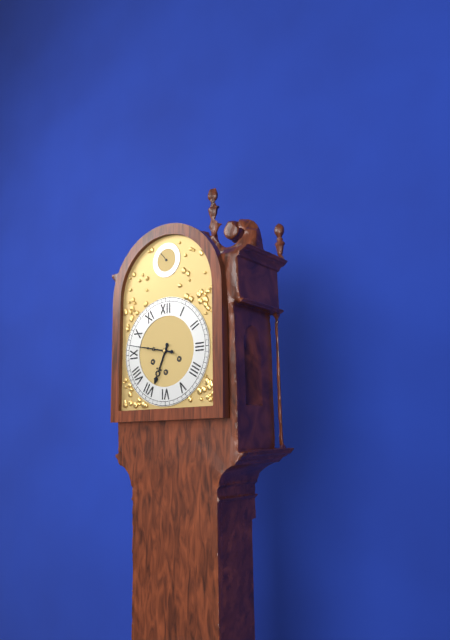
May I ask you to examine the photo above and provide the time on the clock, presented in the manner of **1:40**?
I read **6:47**
